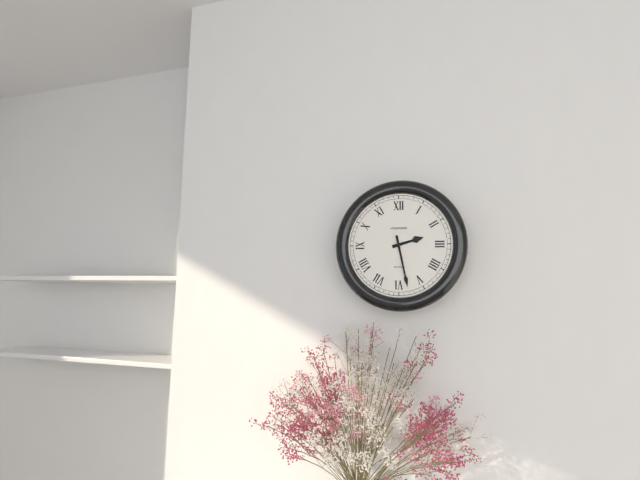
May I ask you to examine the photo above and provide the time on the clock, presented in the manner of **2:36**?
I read **2:28**
